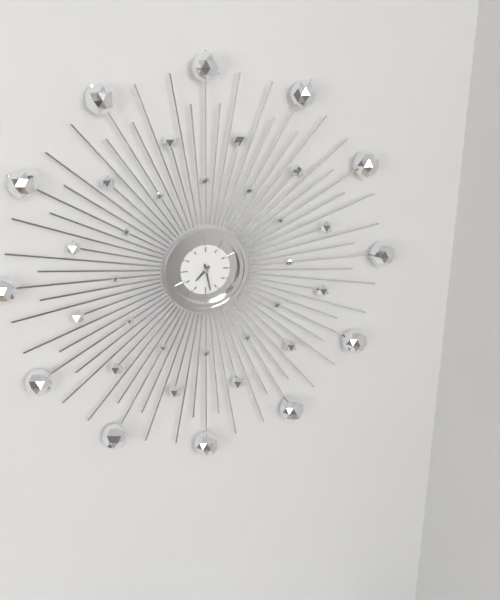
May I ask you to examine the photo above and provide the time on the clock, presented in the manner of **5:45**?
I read **7:28**
